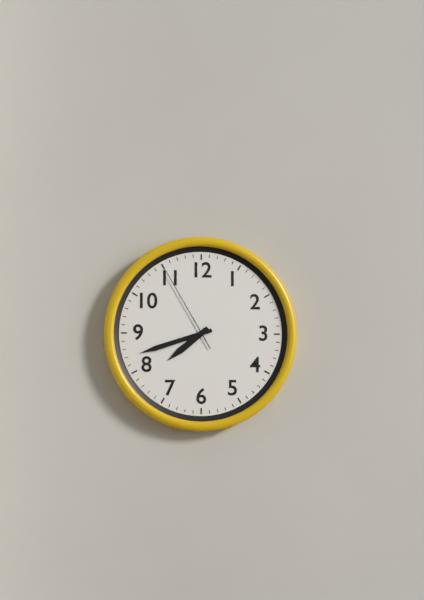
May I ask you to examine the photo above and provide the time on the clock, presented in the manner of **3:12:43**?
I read **7:42:55**
